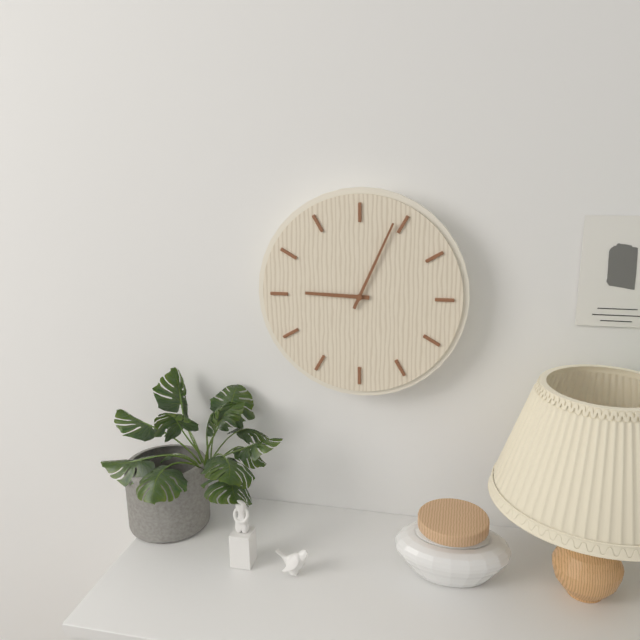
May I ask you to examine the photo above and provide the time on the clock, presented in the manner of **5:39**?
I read **9:04**
